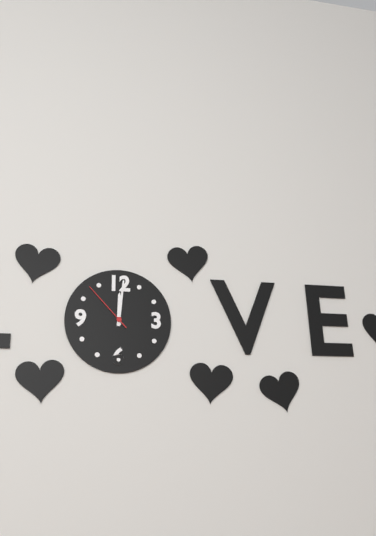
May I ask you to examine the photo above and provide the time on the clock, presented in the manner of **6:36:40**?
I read **12:01:53**
